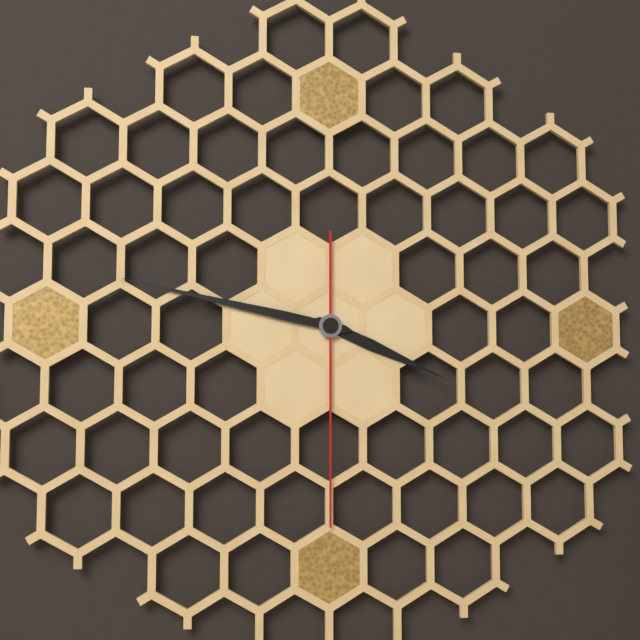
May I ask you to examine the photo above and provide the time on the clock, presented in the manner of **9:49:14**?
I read **3:47:30**
